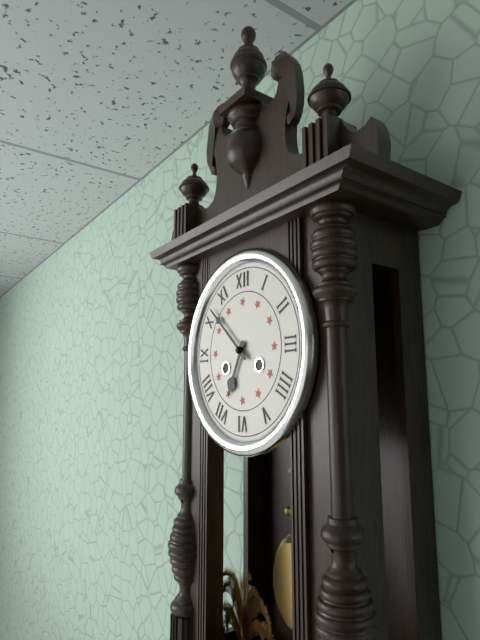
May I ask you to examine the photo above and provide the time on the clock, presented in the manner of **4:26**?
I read **6:52**
